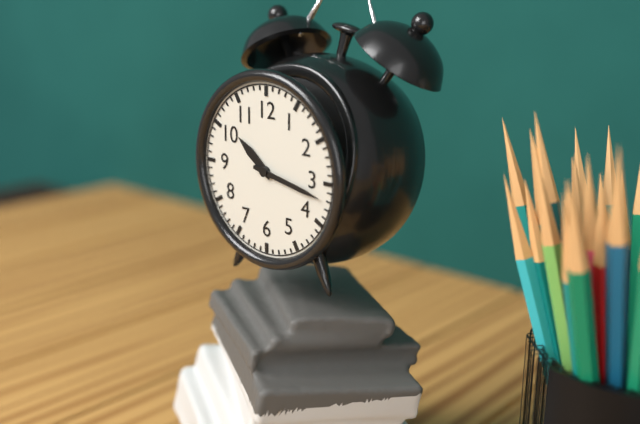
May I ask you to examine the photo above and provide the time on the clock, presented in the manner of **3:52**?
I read **10:17**
